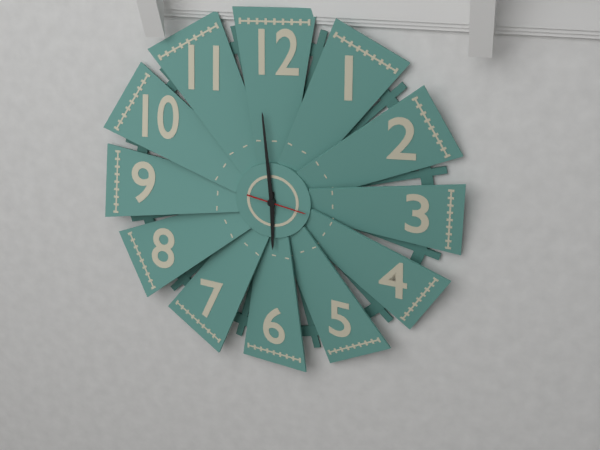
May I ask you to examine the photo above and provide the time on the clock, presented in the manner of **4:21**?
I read **5:59**
